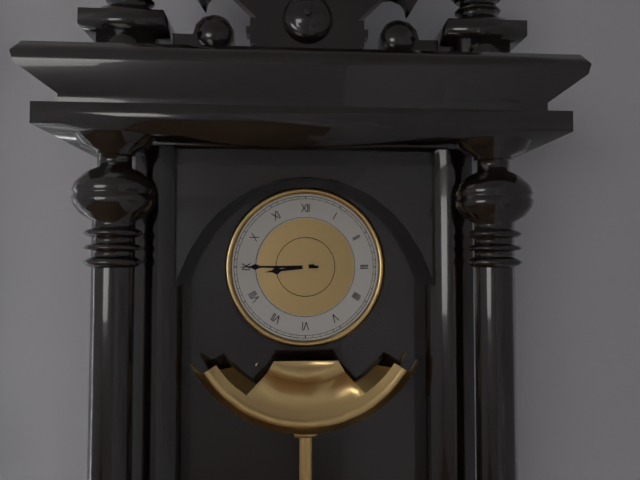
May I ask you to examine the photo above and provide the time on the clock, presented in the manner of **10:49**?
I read **8:45**
